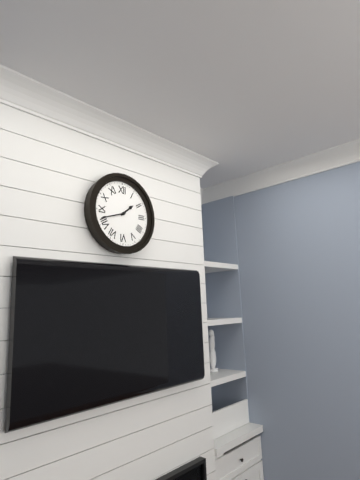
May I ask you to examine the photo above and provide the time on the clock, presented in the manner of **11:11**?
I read **1:42**
